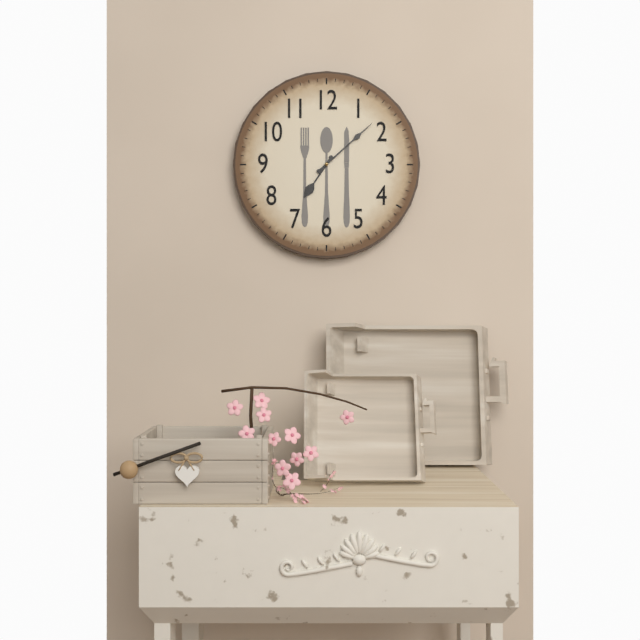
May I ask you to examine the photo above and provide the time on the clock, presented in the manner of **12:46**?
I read **7:08**
